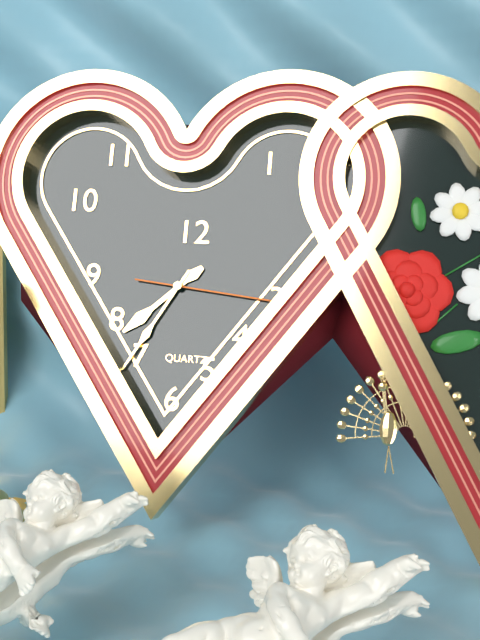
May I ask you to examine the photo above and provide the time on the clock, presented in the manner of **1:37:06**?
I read **7:35:16**
